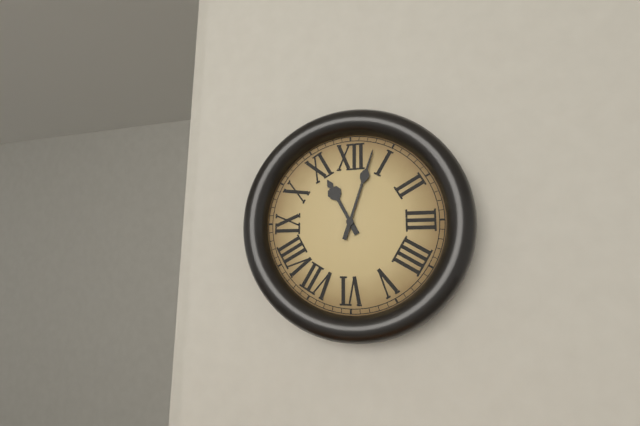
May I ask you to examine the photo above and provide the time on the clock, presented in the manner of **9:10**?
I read **11:03**
